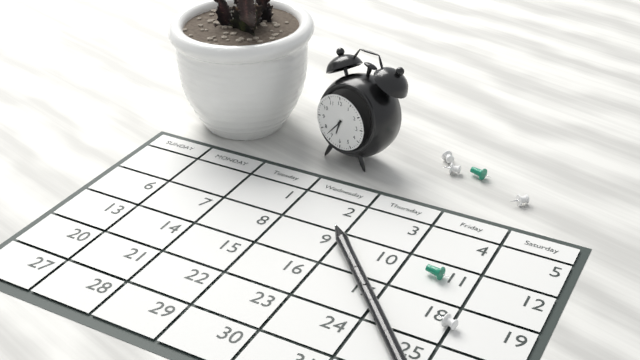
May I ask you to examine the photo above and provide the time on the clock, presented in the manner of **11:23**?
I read **6:37**
